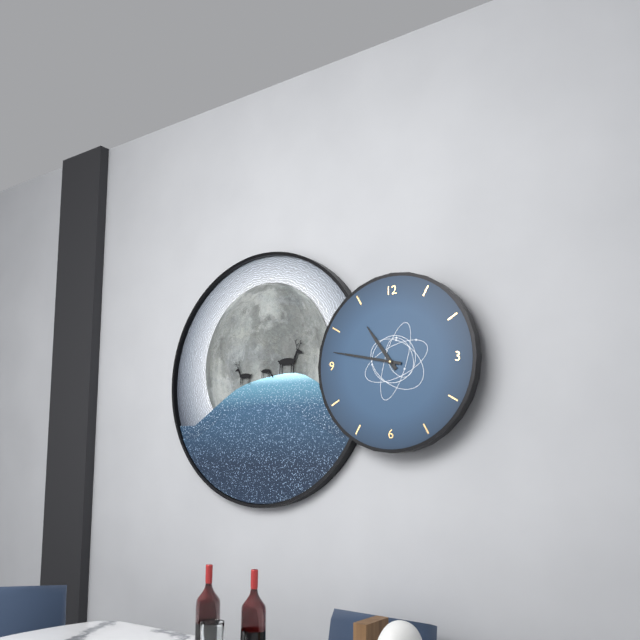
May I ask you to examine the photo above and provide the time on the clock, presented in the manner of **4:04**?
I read **10:47**
